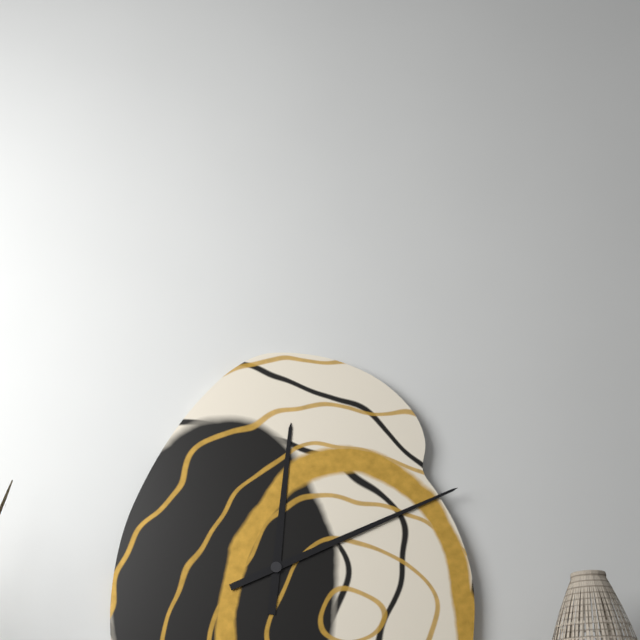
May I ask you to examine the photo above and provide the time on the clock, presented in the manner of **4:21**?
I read **12:11**
